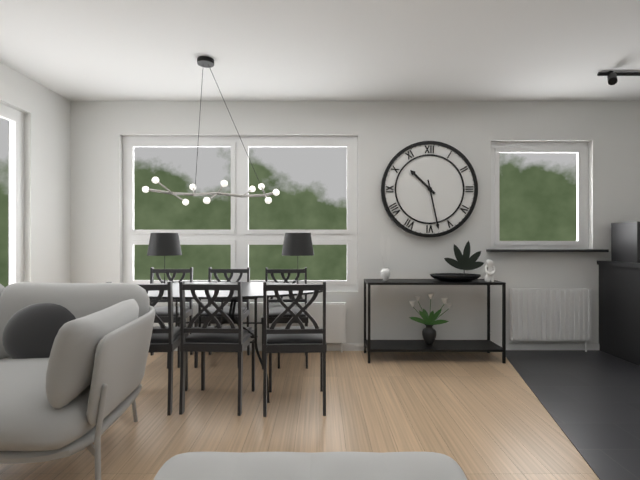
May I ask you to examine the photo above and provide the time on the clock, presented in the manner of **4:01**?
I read **10:28**
